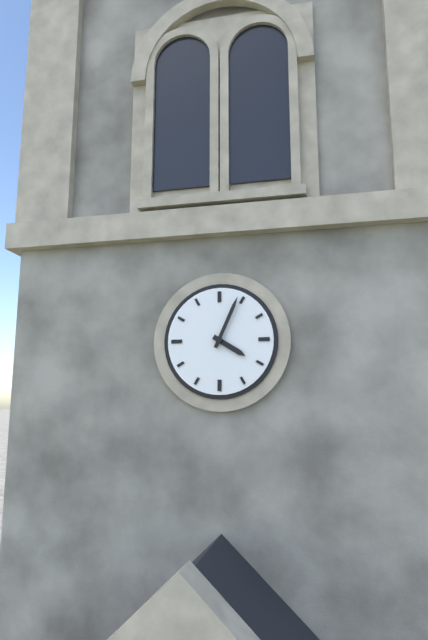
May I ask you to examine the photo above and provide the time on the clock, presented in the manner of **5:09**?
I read **4:04**
